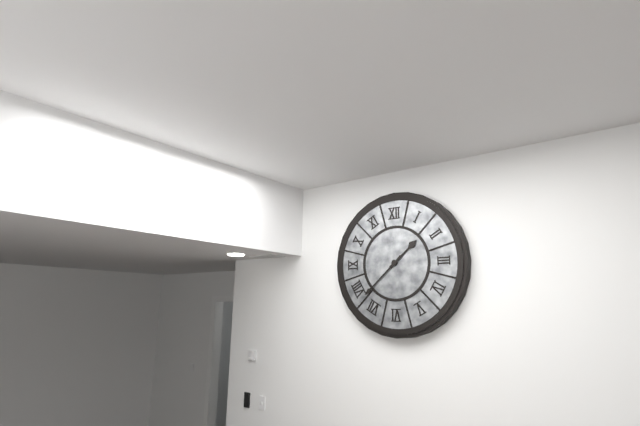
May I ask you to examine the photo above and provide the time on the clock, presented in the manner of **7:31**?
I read **1:38**
